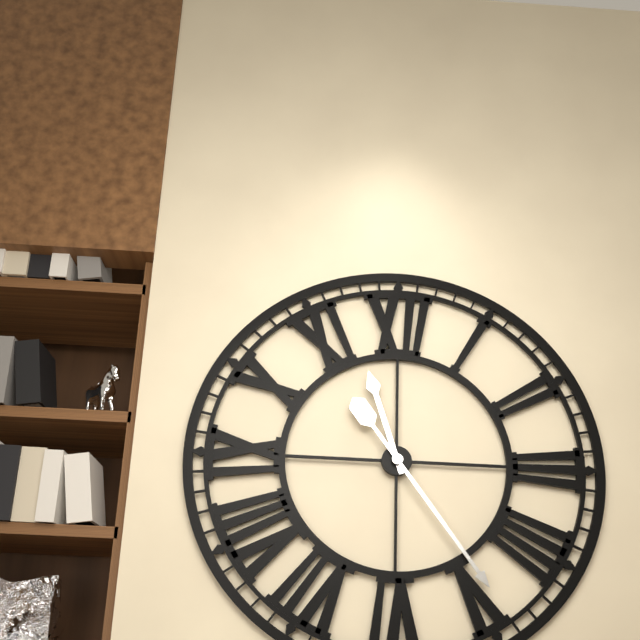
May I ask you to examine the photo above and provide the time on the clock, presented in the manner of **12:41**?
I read **11:24**
